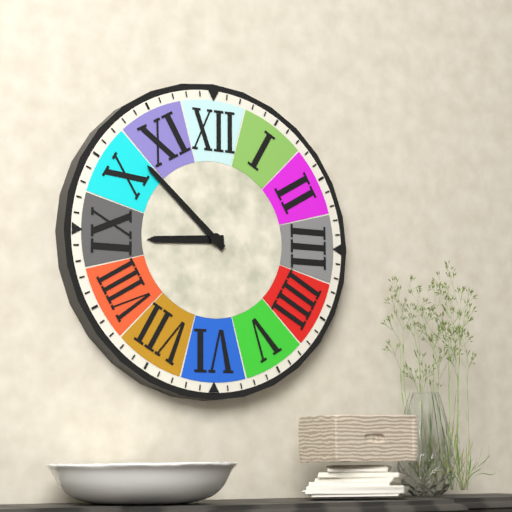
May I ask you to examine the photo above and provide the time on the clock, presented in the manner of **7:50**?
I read **8:52**
